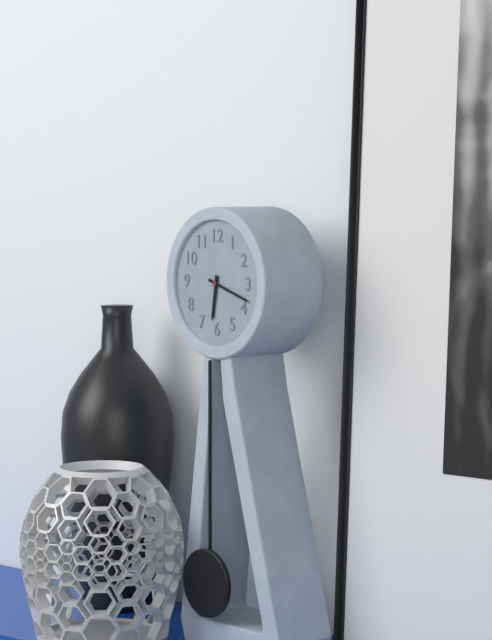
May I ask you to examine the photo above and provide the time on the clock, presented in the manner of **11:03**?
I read **6:18**
